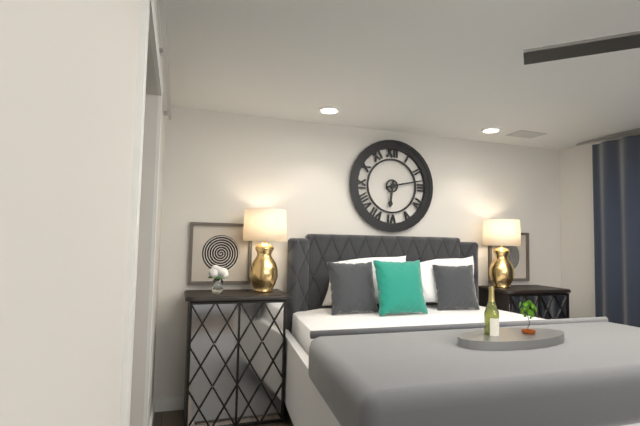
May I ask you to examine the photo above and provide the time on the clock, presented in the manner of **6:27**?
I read **6:13**
